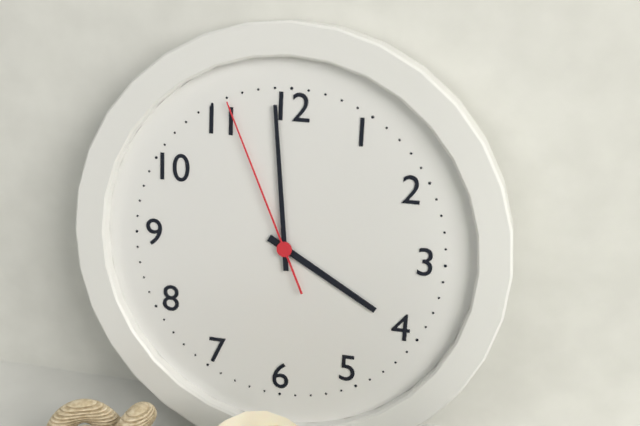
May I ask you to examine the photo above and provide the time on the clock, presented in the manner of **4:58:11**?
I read **3:59:56**
